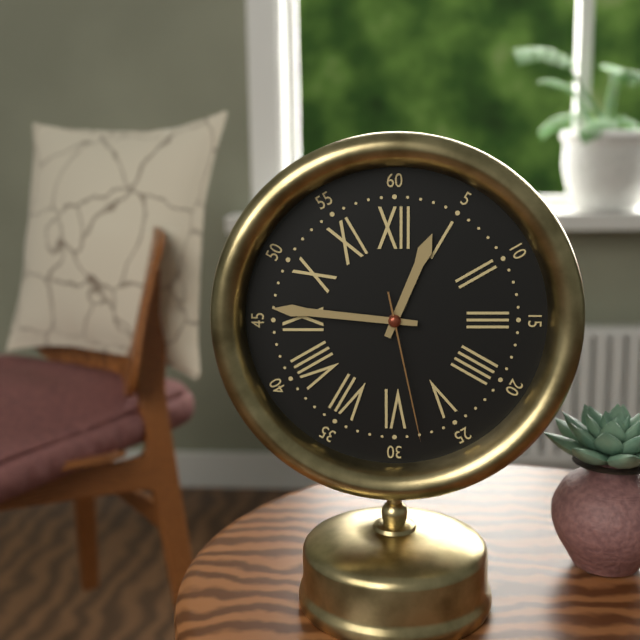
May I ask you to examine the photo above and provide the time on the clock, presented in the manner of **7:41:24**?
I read **12:46:28**
